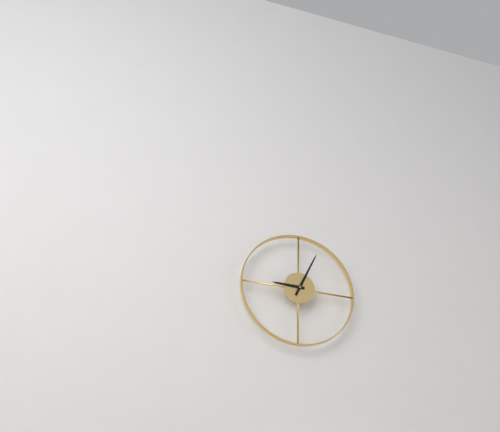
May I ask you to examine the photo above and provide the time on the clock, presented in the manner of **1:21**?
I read **9:04**
